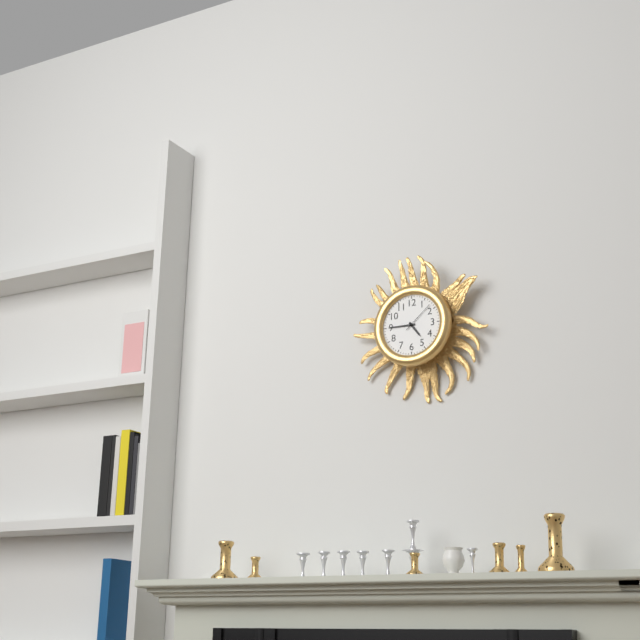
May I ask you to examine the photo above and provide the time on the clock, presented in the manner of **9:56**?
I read **4:45**
